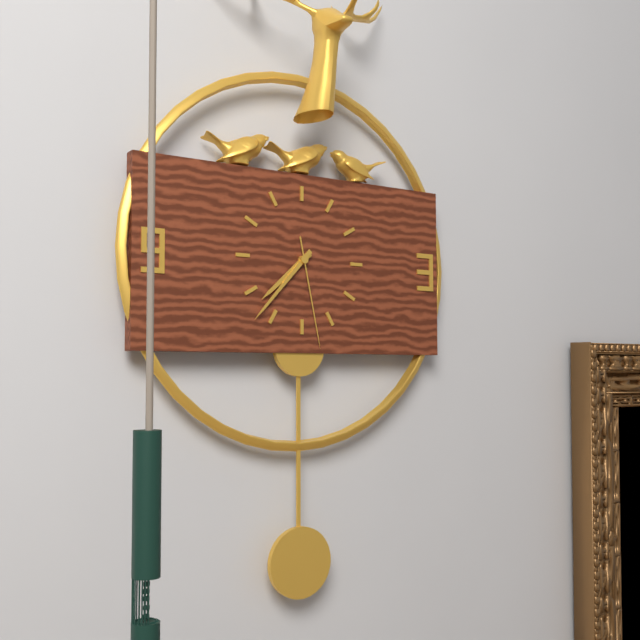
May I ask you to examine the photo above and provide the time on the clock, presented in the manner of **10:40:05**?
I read **7:37:28**
